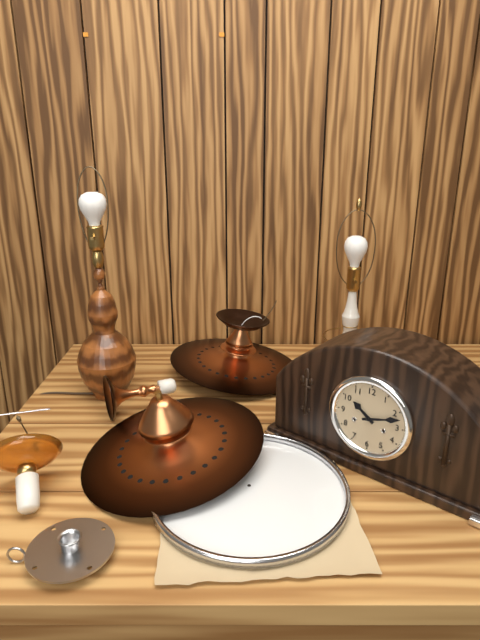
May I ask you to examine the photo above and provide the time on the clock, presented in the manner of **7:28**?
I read **10:12**
